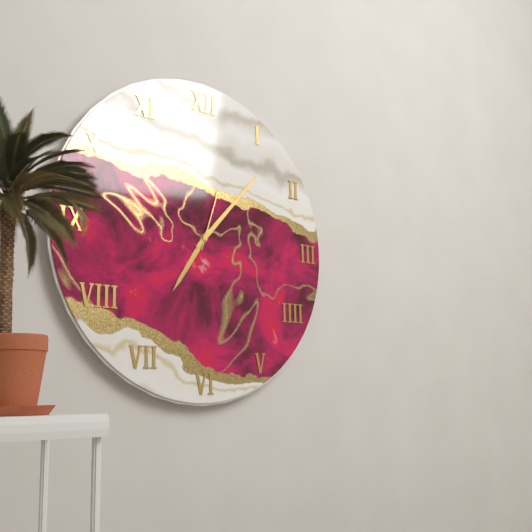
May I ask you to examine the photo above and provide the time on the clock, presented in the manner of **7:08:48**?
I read **7:07:03**
